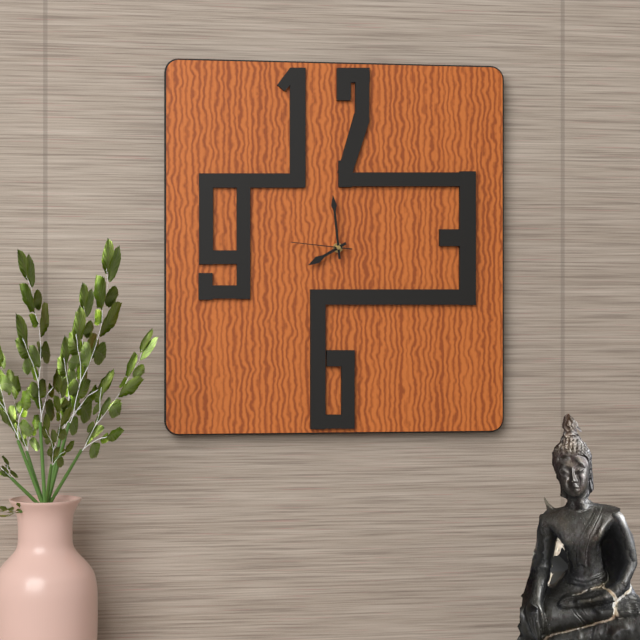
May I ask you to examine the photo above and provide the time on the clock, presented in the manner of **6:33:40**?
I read **7:59:46**
